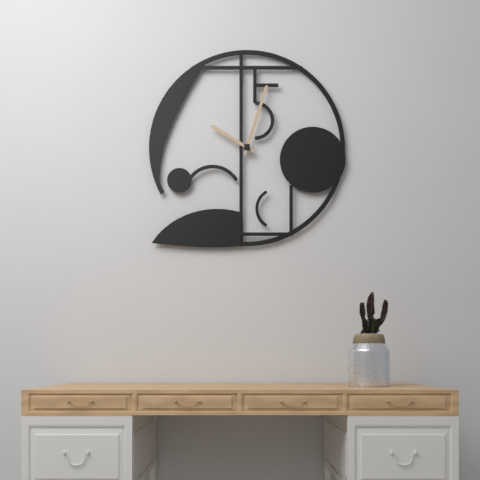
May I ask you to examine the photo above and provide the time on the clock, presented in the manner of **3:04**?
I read **10:03**
